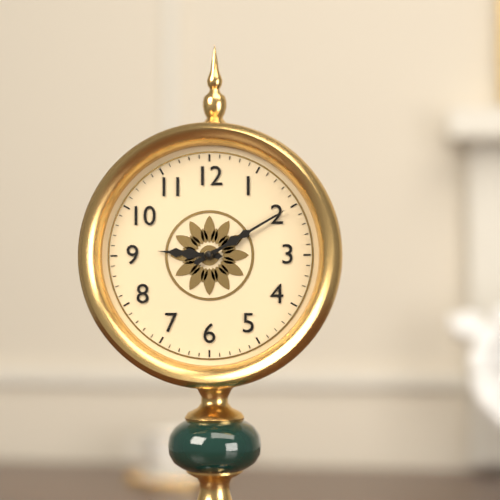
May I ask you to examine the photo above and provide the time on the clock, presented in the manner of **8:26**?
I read **9:10**
